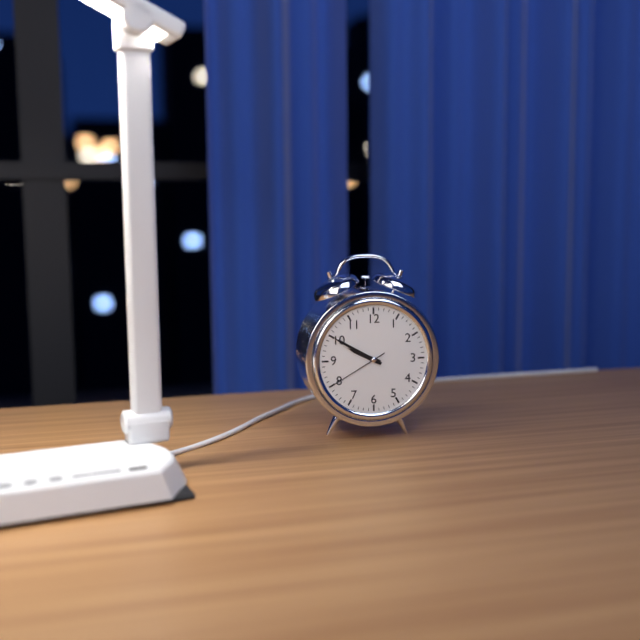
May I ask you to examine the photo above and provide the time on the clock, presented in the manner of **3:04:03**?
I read **9:50:40**
